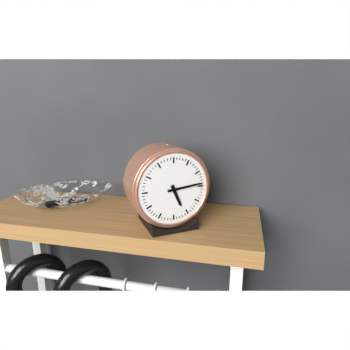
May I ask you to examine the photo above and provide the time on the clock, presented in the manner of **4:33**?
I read **5:14**
